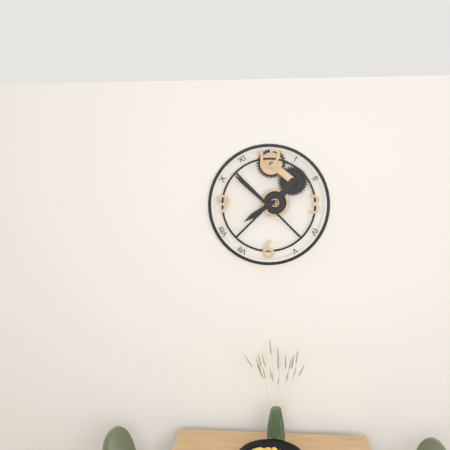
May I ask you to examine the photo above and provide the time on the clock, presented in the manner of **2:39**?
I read **7:52**
